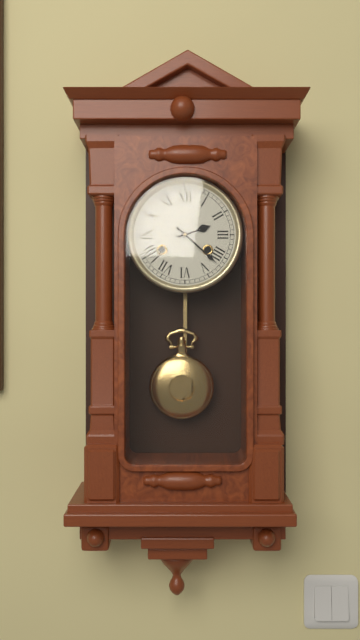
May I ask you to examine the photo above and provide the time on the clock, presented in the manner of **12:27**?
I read **2:22**
